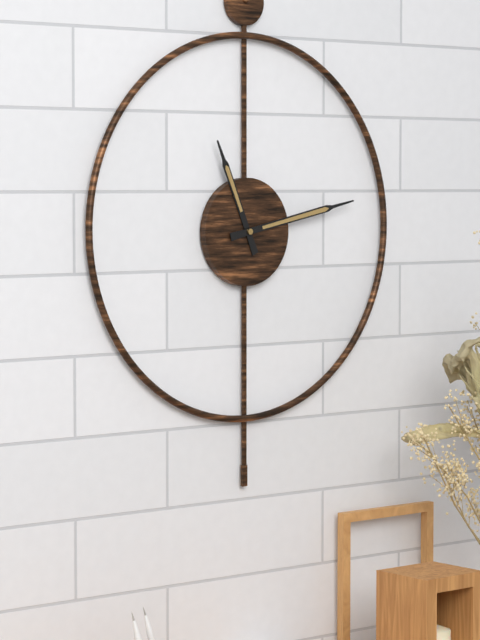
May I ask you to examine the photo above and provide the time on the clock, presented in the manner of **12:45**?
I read **11:13**
